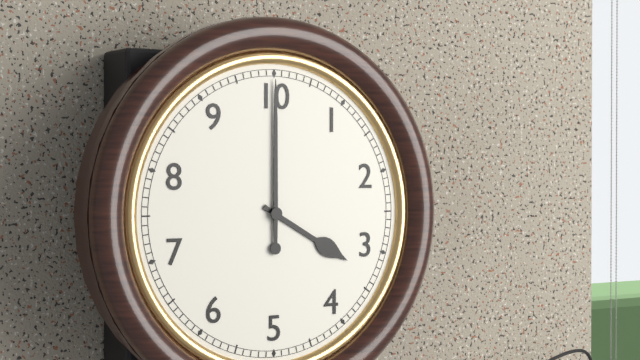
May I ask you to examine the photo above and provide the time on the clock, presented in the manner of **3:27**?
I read **4:00**
